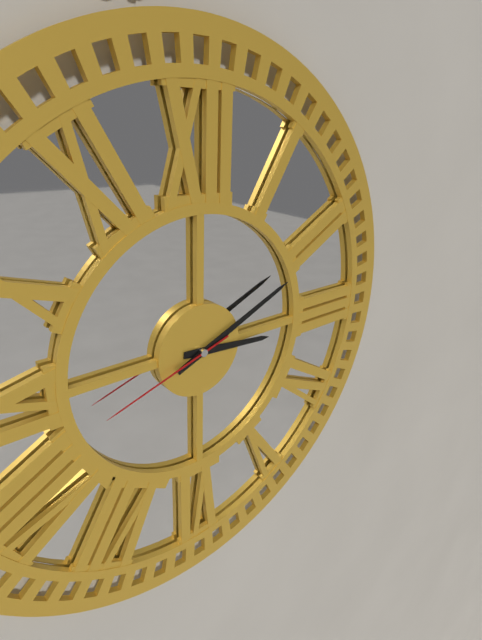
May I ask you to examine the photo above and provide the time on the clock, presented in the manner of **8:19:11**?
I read **3:11:42**
